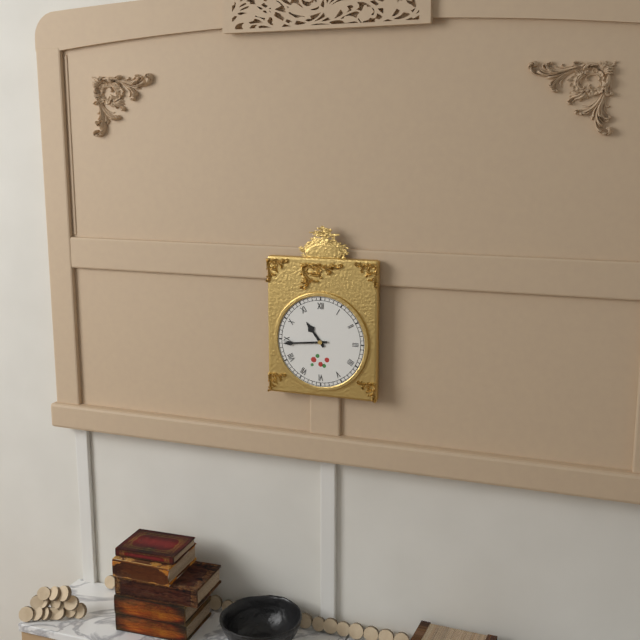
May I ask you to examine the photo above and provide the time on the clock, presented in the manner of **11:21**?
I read **10:44**
